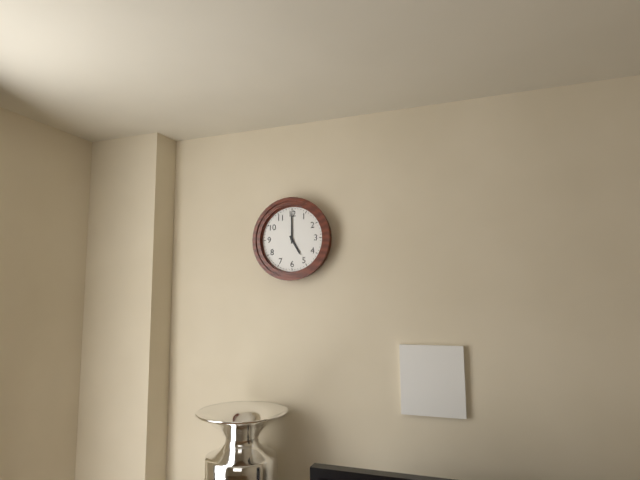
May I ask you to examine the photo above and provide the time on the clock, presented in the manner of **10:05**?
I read **5:00**
